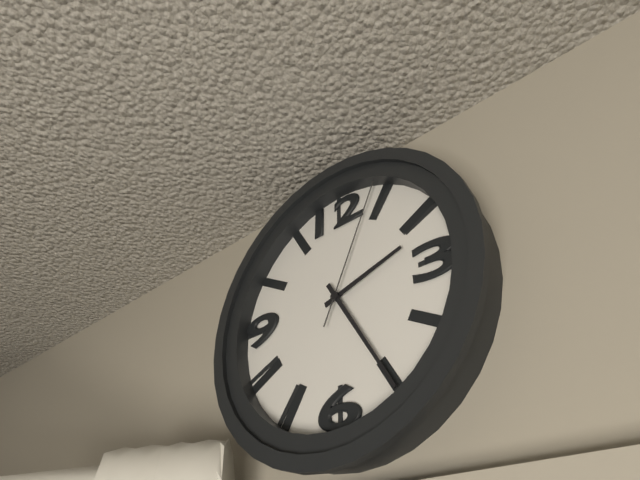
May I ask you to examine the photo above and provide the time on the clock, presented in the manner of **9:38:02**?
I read **2:25:04**
